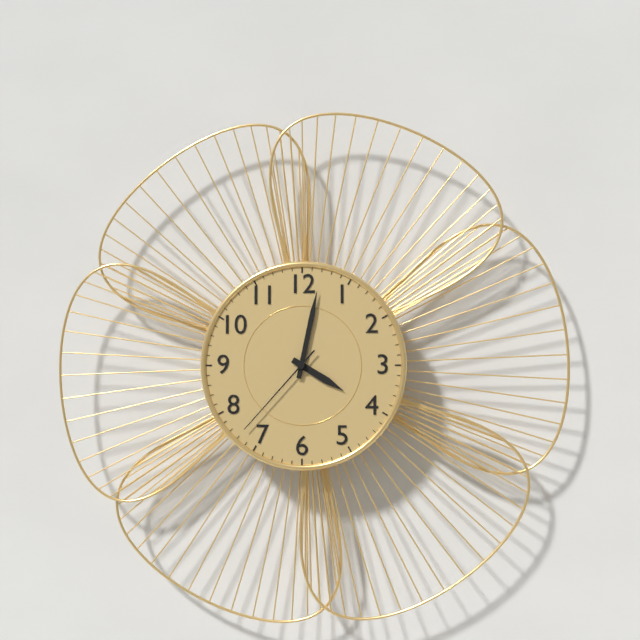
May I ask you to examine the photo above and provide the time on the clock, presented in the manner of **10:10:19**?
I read **4:02:37**
